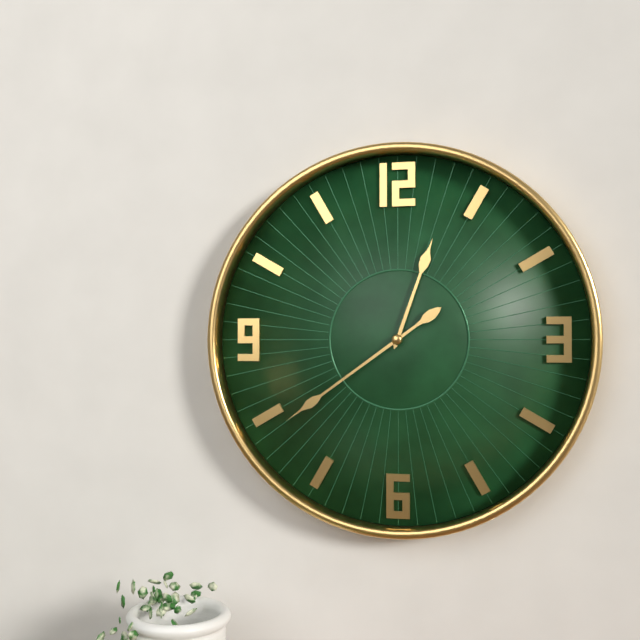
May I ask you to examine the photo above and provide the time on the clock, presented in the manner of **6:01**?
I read **12:39**
